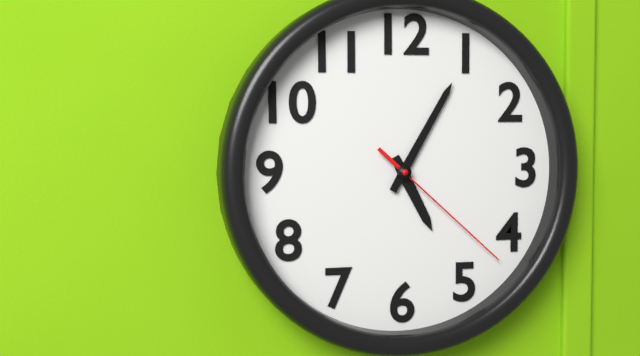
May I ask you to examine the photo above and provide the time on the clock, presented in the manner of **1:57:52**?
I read **5:05:22**
